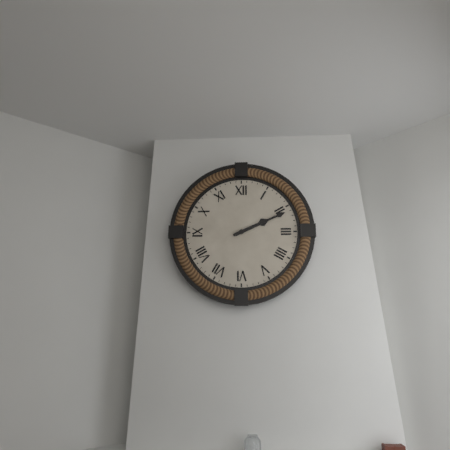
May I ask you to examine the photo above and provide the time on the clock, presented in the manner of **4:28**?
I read **2:11**
